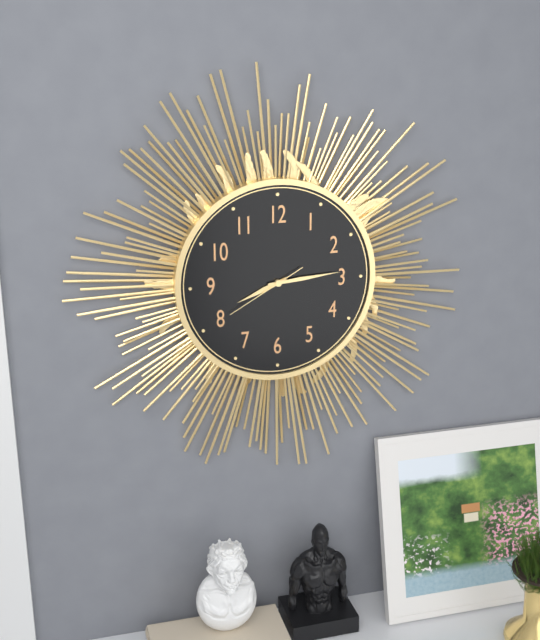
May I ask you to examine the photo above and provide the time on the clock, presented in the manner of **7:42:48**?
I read **8:14:40**
